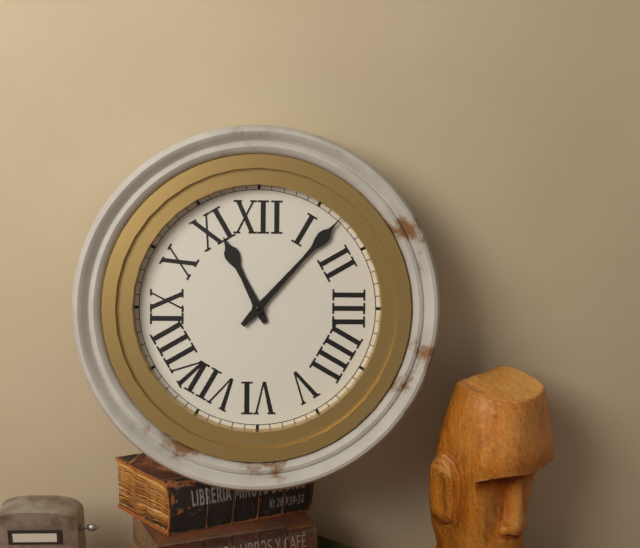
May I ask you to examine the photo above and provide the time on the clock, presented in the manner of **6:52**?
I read **11:07**
